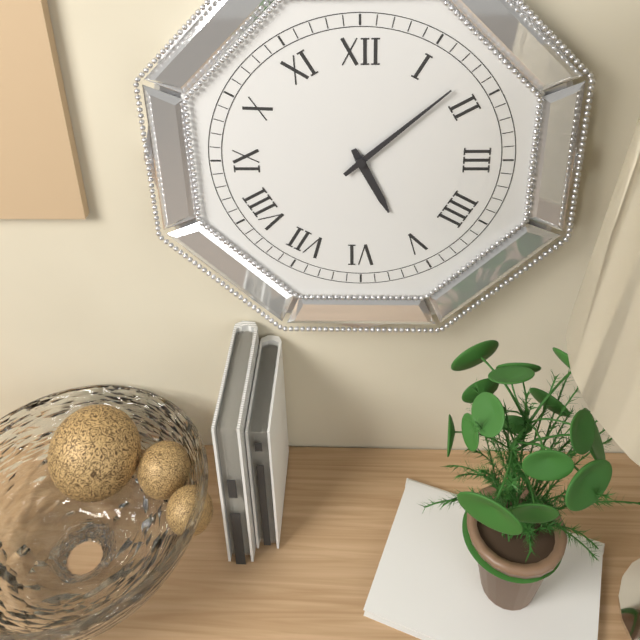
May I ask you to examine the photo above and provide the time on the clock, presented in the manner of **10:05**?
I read **5:08**
